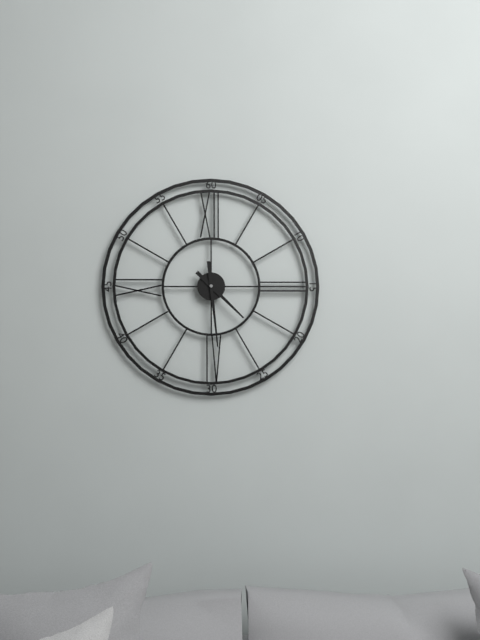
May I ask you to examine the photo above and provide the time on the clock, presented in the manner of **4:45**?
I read **4:29**
